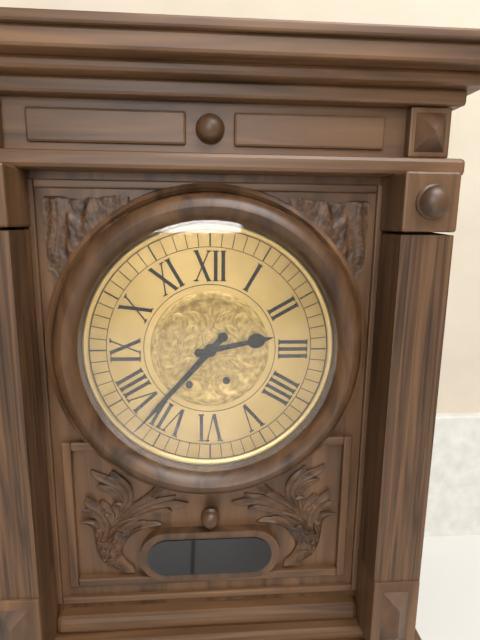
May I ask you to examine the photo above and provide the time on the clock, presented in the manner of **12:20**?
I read **2:37**
